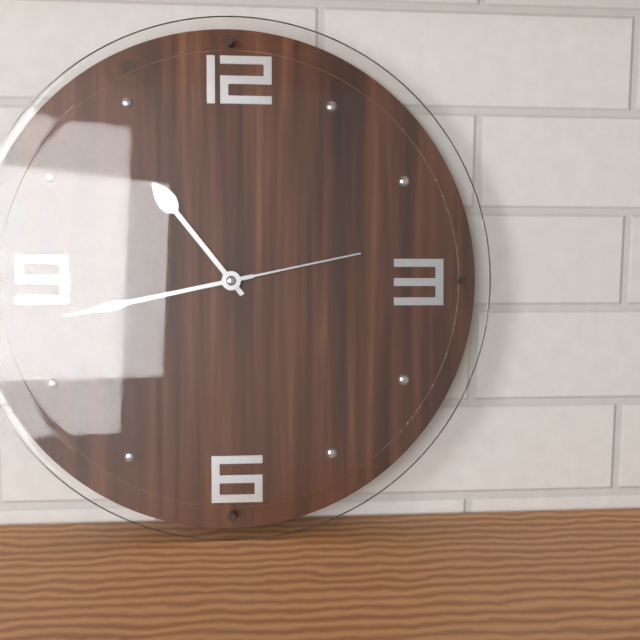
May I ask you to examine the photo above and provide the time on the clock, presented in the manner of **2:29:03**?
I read **10:43:13**
